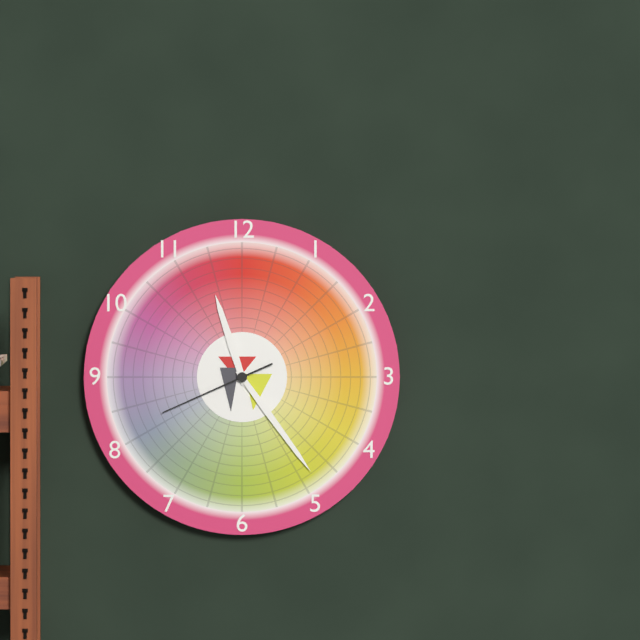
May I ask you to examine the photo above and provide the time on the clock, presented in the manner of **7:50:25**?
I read **11:24:41**
